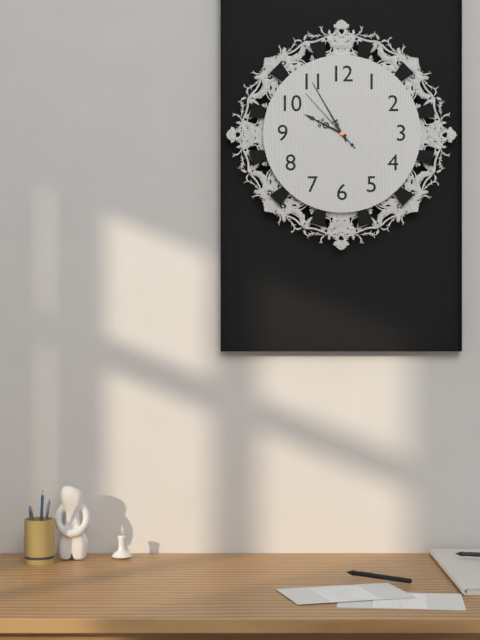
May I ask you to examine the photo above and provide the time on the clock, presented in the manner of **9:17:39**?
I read **9:55:53**
